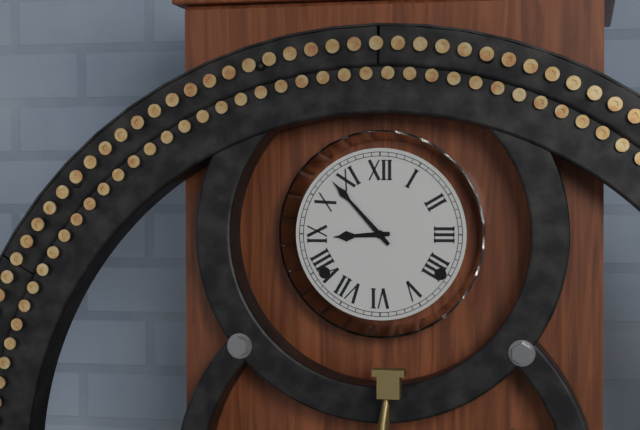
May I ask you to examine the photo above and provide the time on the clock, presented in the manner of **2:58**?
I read **8:53**
